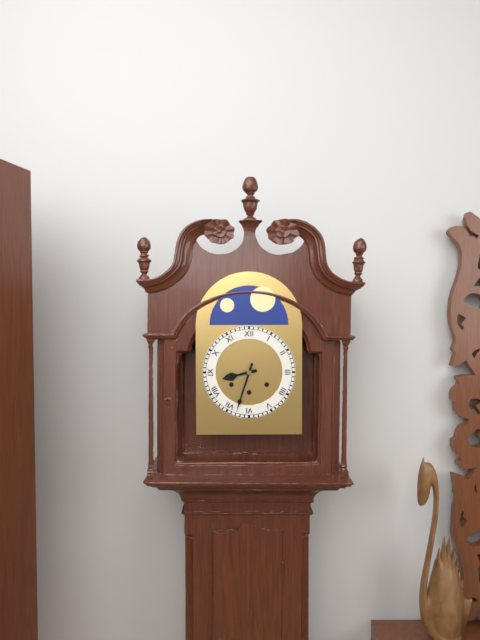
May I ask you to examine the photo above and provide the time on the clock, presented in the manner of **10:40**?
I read **8:33**
